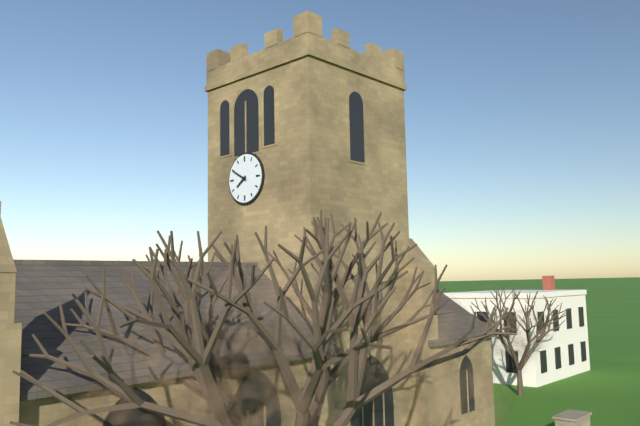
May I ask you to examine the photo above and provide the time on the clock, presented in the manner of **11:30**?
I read **7:50**
